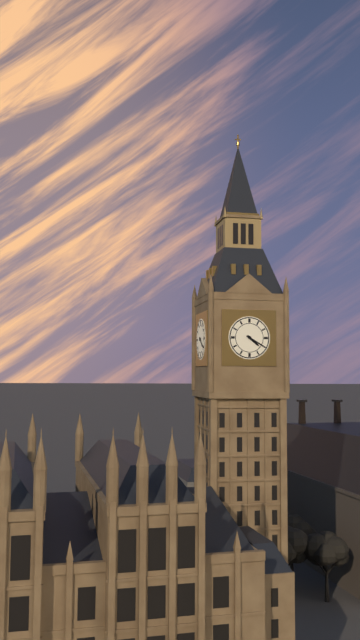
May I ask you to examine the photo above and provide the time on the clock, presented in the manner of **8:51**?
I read **4:20**
